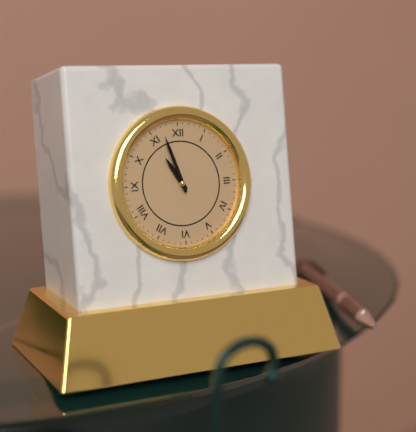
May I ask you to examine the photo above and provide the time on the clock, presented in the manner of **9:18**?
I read **10:57**
